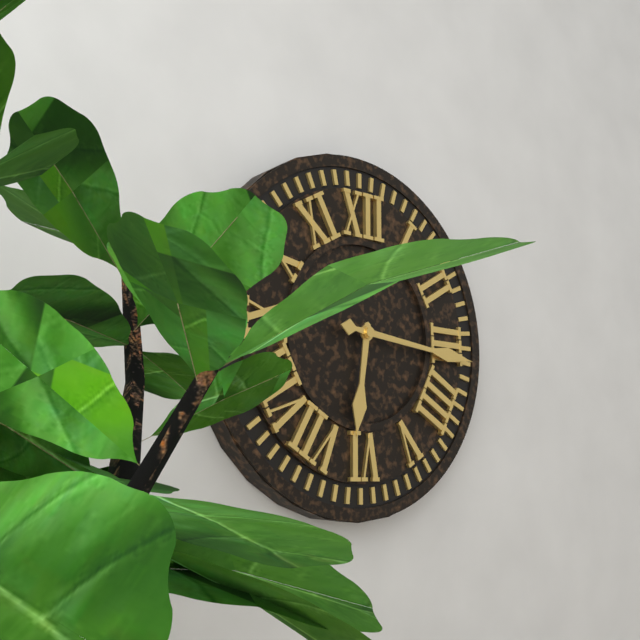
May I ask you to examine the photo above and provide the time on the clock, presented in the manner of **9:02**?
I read **6:16**
